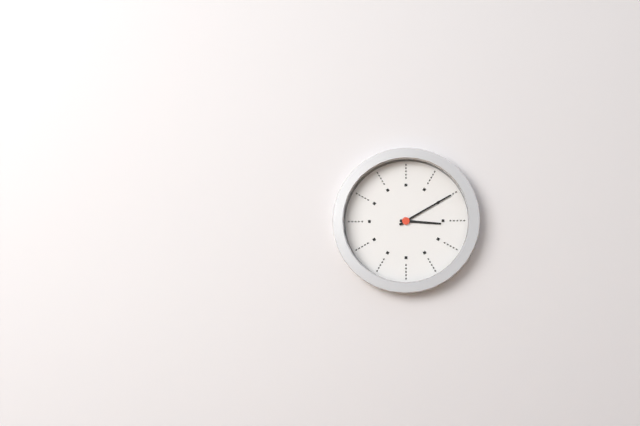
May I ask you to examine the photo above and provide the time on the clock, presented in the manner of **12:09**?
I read **3:10**
